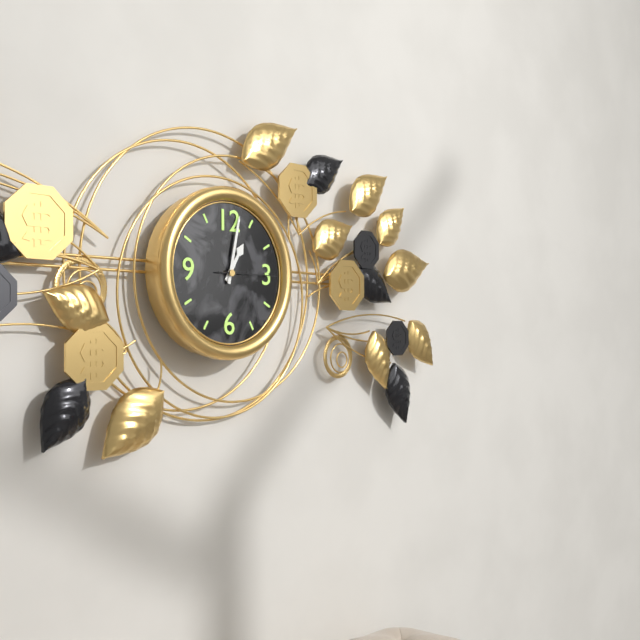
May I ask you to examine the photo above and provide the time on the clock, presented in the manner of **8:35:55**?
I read **1:02:15**
